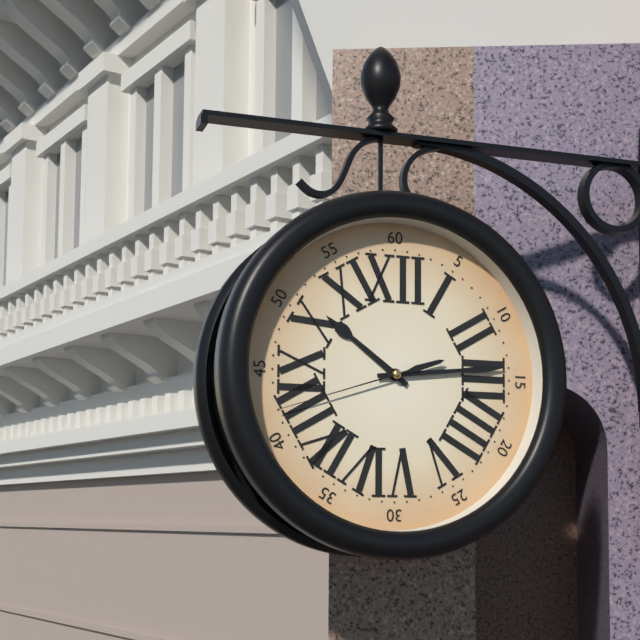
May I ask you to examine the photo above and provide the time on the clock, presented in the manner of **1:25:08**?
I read **10:14:42**
